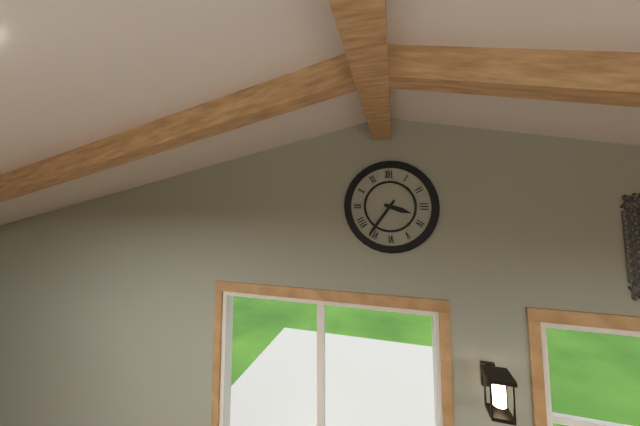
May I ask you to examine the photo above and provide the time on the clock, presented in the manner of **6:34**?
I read **3:36**
